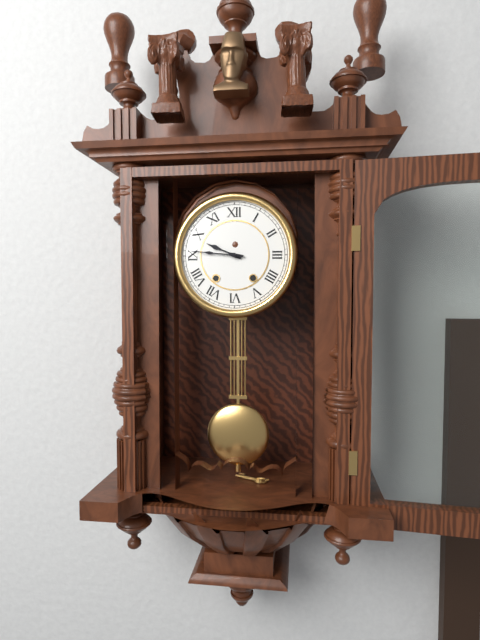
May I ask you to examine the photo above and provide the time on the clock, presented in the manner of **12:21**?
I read **9:46**
